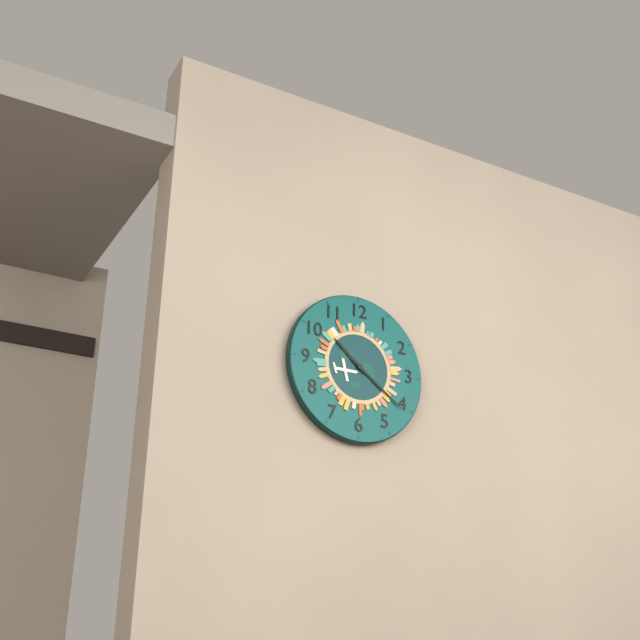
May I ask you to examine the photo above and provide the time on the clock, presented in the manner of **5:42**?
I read **10:21**
